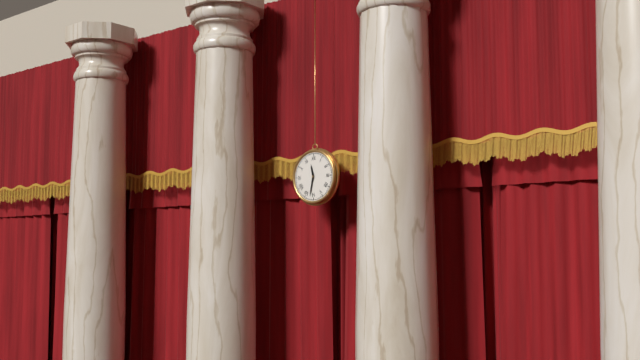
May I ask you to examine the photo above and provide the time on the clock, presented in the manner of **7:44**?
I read **11:32**
